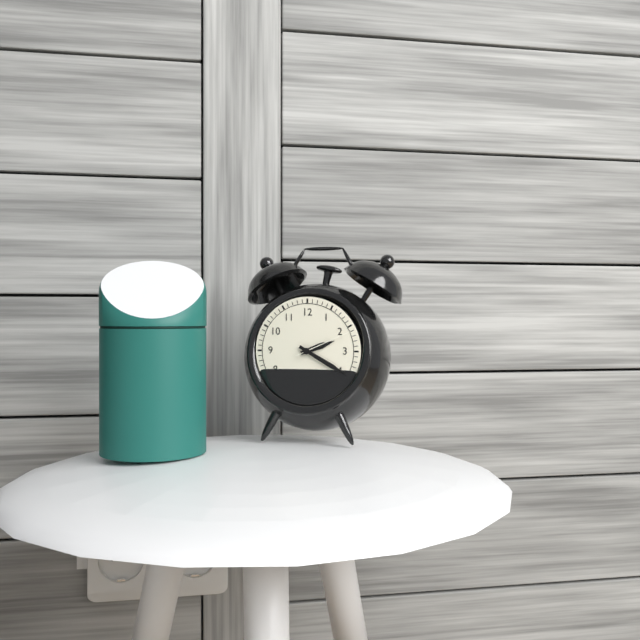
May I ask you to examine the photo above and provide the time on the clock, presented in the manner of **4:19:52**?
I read **2:20:11**
